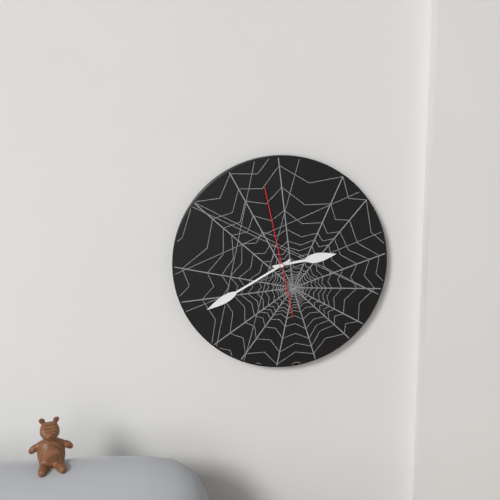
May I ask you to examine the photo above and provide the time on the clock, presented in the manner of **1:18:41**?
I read **2:40:58**
